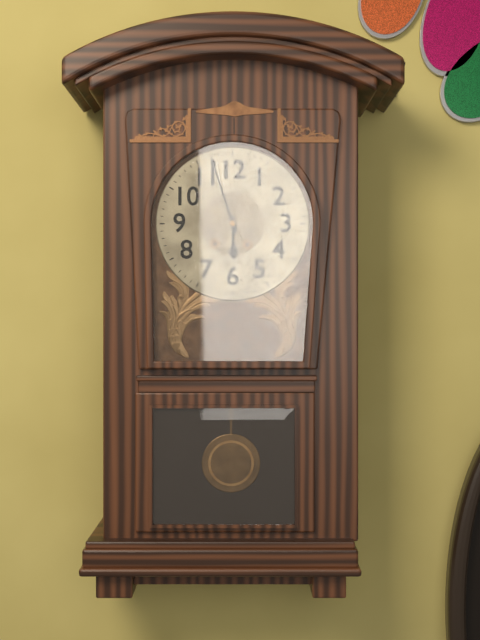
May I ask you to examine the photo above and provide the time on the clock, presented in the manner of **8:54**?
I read **5:57**
